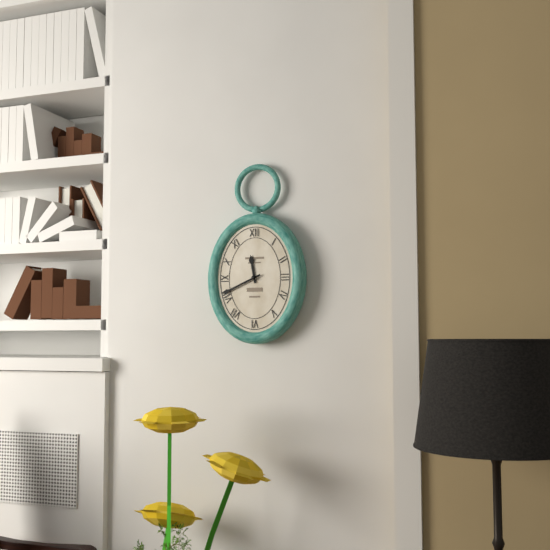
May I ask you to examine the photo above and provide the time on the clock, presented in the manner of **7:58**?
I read **11:41**
